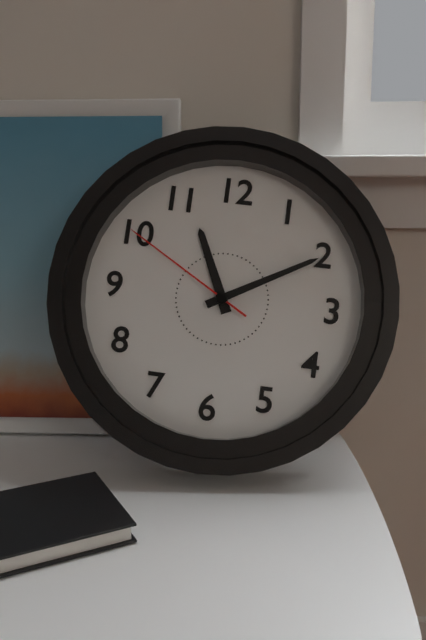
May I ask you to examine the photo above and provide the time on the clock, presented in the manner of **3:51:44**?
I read **11:10:50**
